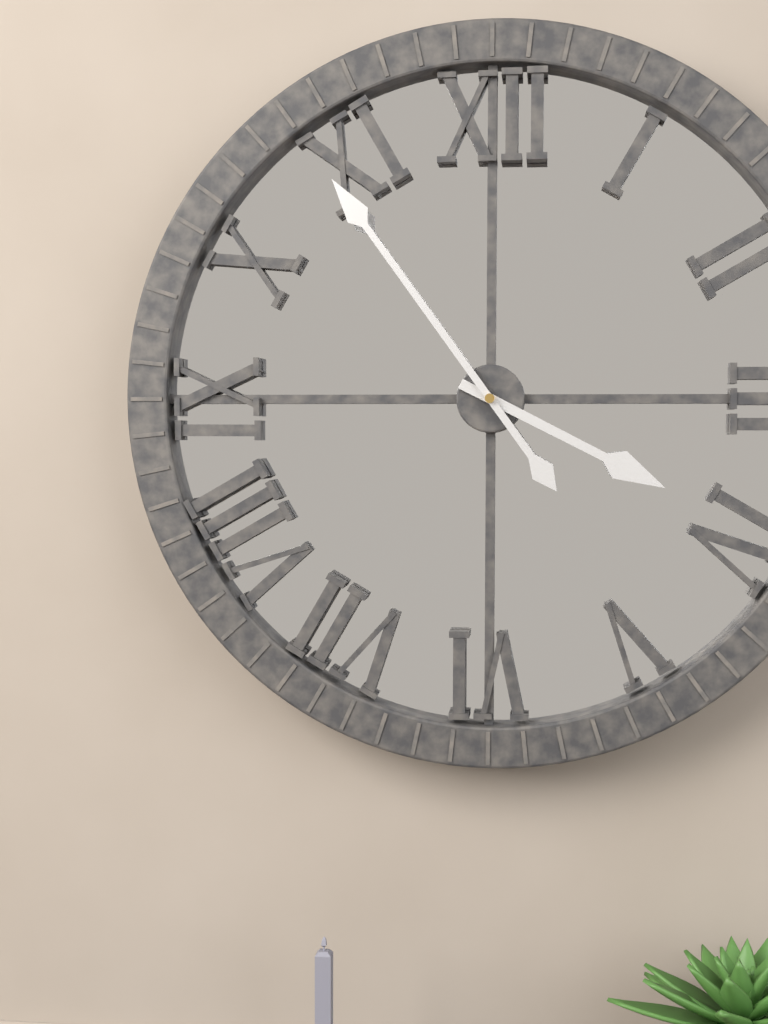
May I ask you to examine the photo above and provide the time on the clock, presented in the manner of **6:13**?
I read **3:54**
